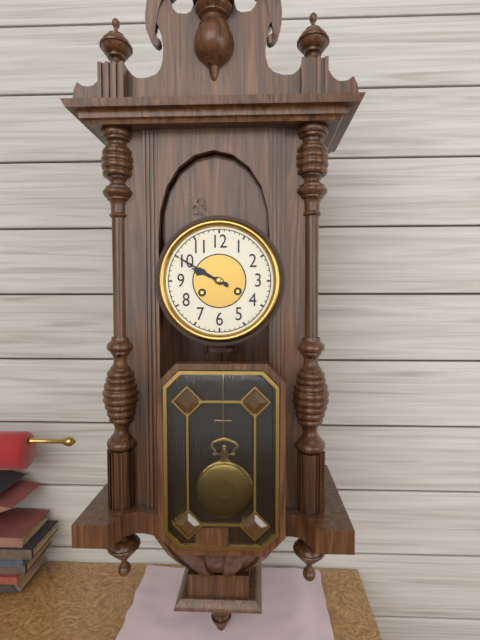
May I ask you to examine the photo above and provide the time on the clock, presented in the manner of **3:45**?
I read **9:50**
